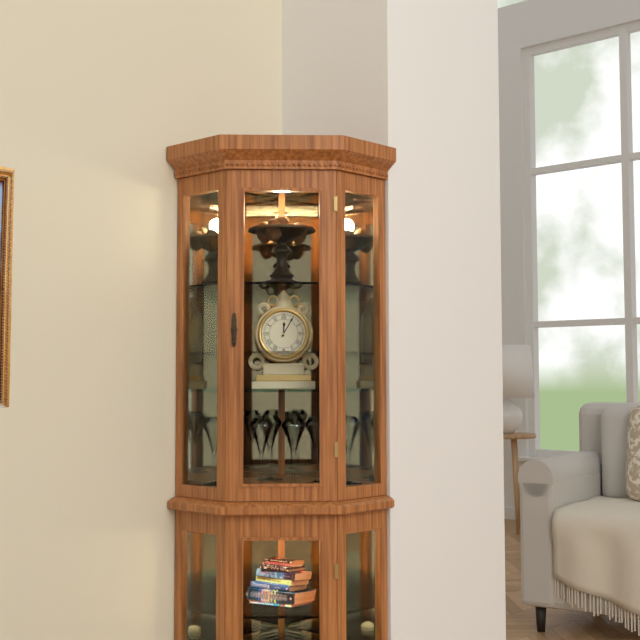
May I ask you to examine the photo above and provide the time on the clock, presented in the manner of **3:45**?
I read **12:05**
